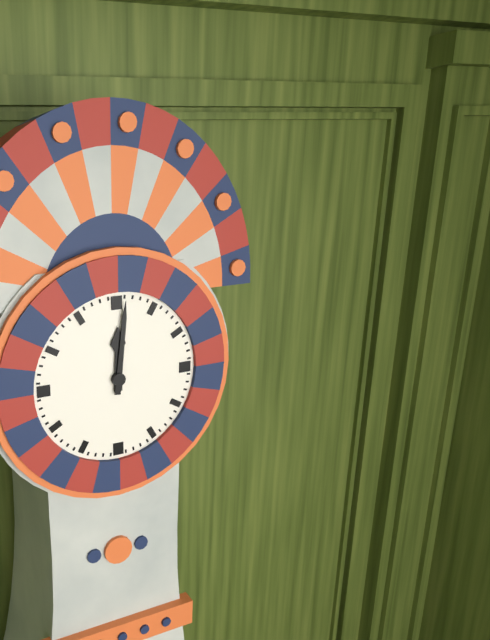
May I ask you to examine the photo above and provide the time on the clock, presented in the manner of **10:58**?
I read **12:01**
